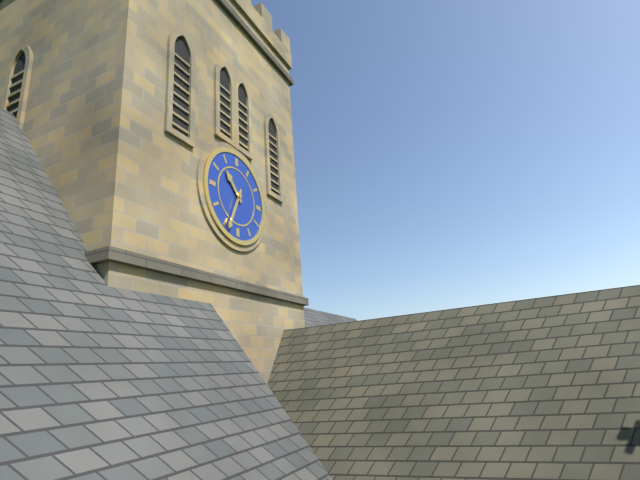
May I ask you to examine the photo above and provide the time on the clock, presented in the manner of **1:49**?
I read **10:34**
